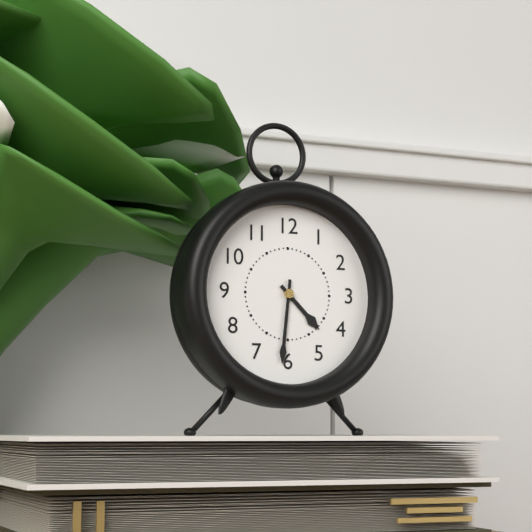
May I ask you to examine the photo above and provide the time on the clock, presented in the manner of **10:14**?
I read **4:31**
